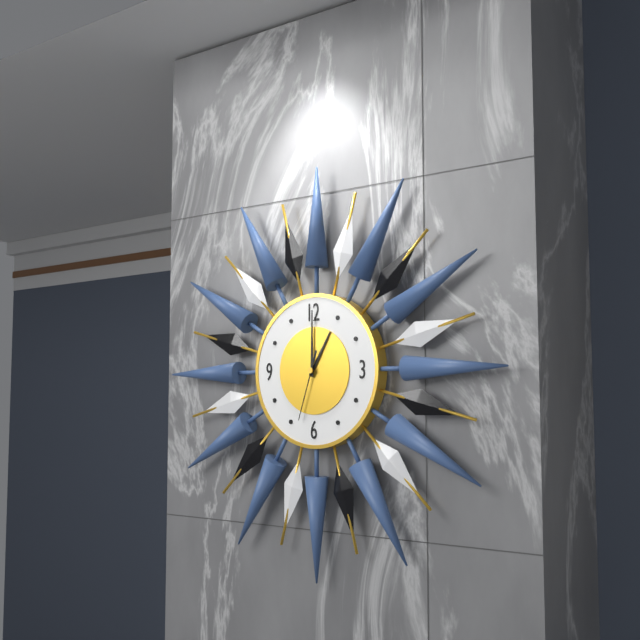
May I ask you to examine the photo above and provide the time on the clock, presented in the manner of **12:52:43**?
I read **1:00:33**
